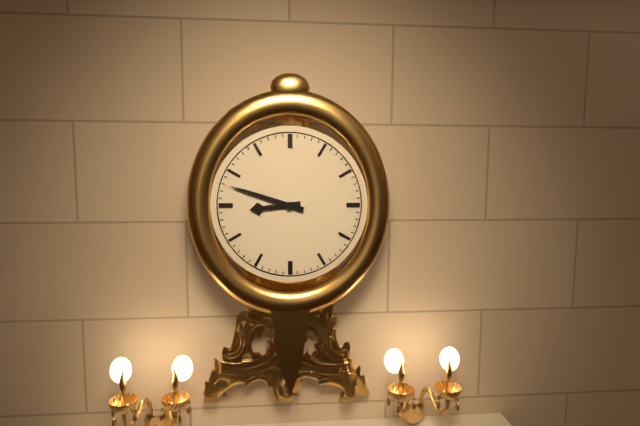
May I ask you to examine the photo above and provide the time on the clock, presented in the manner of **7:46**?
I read **8:48**
